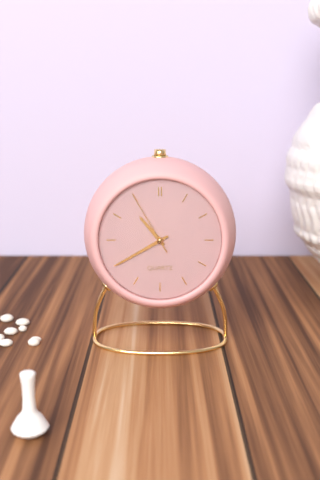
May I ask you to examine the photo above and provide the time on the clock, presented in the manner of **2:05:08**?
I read **10:40:55**
